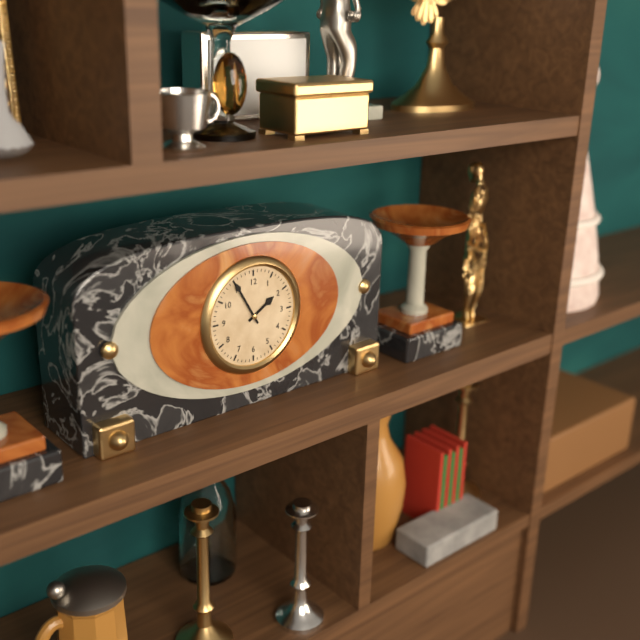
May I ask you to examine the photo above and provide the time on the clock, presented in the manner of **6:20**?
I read **1:55**
